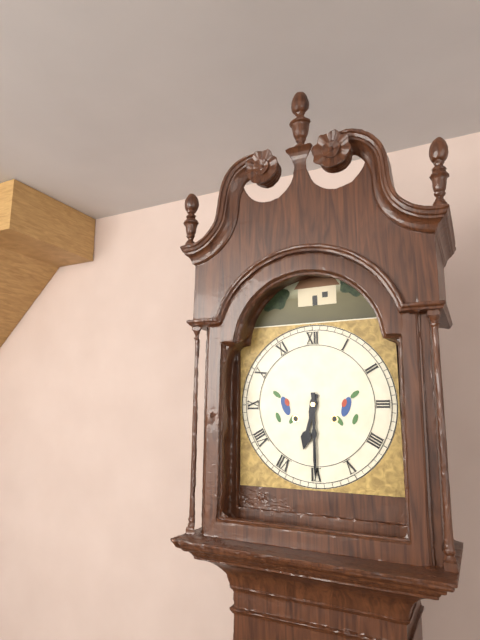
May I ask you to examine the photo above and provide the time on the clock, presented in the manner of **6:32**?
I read **6:30**
